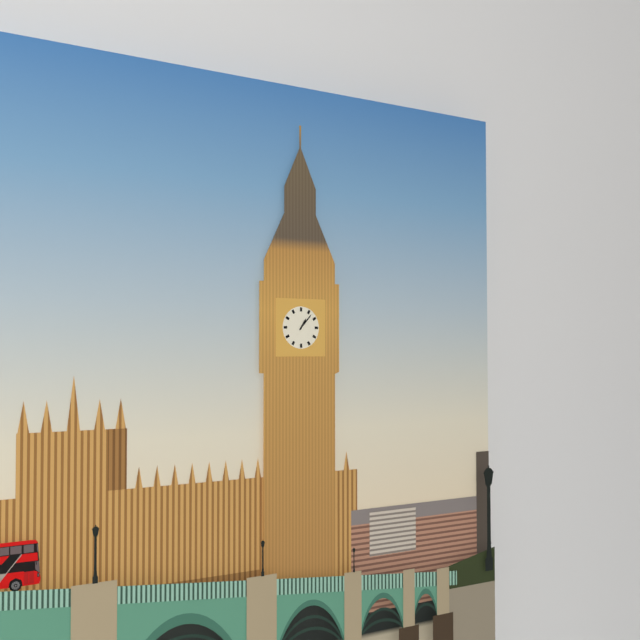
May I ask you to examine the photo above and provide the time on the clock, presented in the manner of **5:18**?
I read **1:07**
